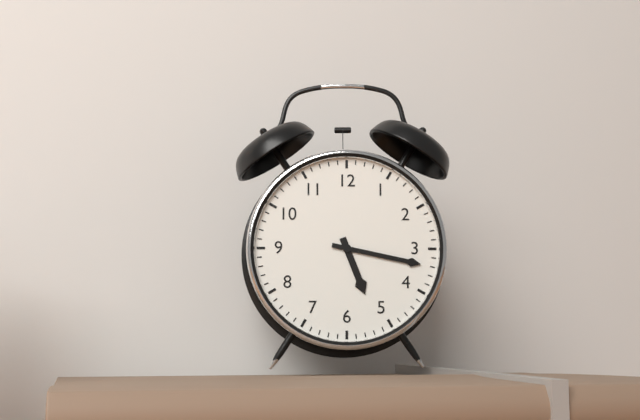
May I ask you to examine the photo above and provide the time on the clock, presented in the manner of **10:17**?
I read **5:17**
